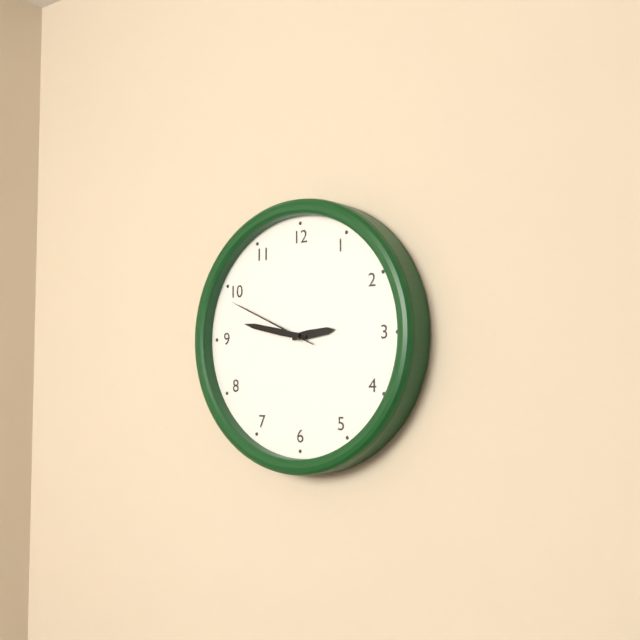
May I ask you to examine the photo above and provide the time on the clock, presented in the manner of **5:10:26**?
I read **2:47:49**
